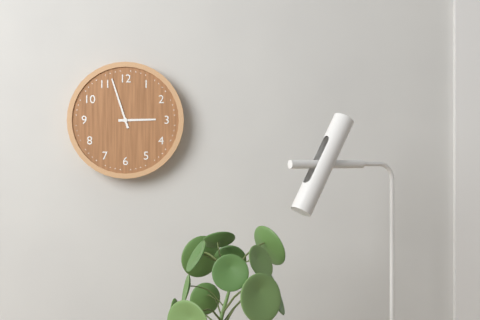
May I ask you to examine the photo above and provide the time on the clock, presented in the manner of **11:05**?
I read **2:57**
